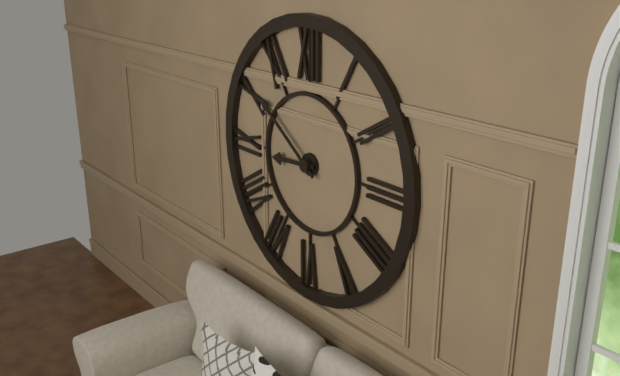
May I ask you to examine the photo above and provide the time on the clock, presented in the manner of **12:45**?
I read **8:51**
